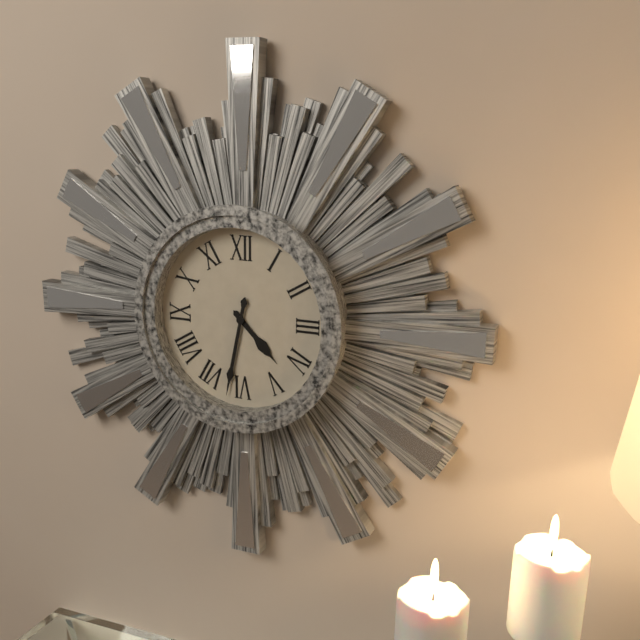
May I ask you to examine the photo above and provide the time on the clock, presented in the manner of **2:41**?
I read **4:32**
